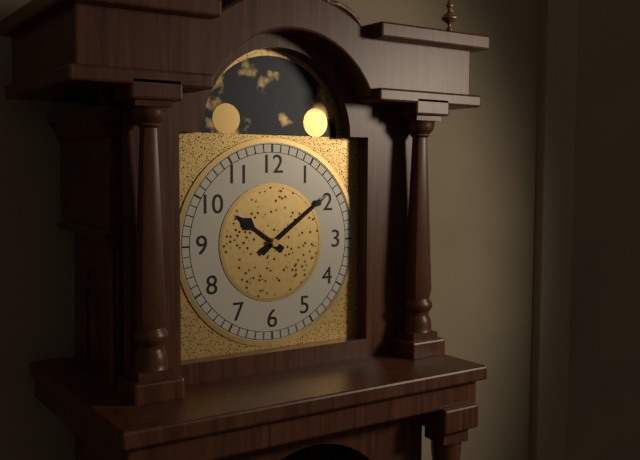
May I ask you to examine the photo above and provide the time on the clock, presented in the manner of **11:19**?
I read **10:09**
